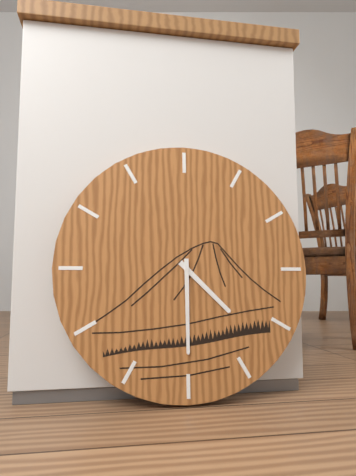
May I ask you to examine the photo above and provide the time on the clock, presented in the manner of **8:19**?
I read **4:30**
